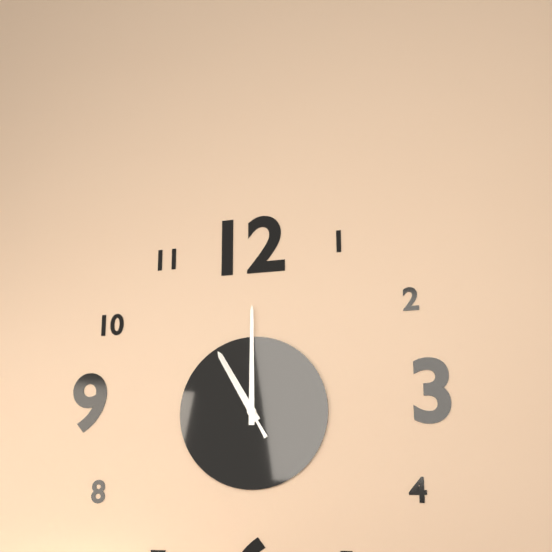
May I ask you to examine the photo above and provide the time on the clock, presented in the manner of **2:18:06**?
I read **11:00:55**
